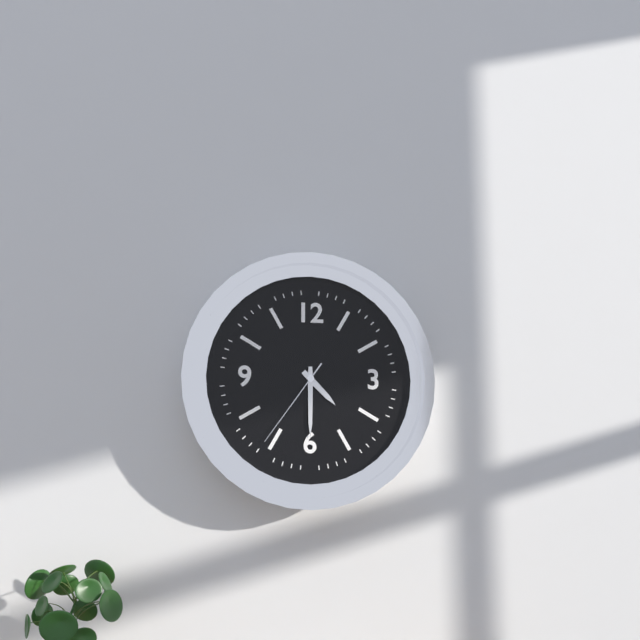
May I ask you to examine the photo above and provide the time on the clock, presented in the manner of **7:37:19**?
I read **4:30:36**
